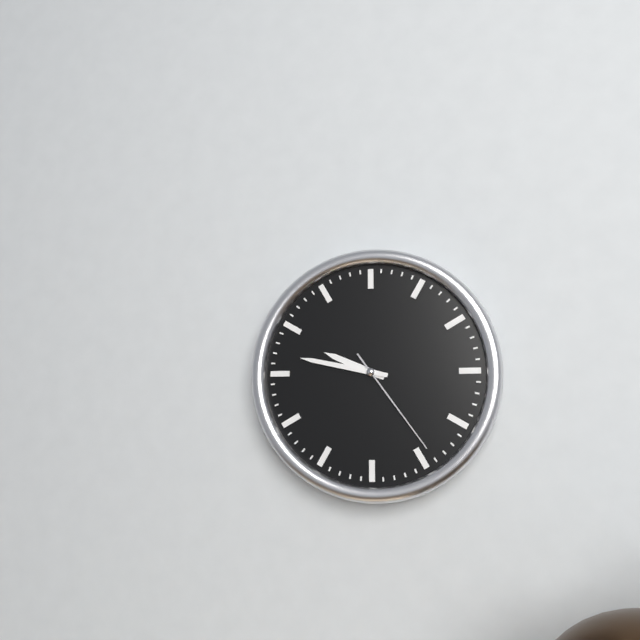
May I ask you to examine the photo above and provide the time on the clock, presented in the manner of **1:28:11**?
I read **9:47:24**
